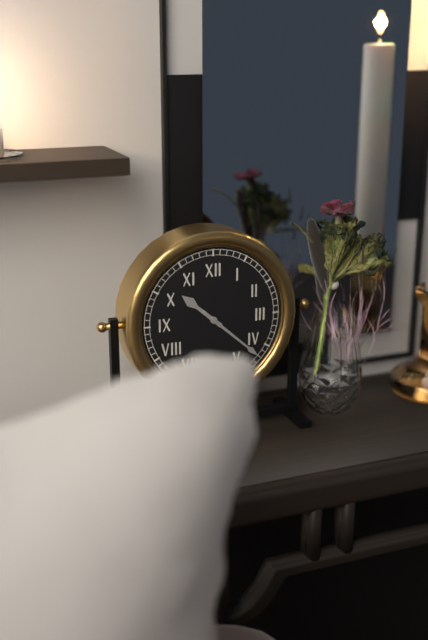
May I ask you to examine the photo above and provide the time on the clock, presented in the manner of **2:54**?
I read **10:22**
